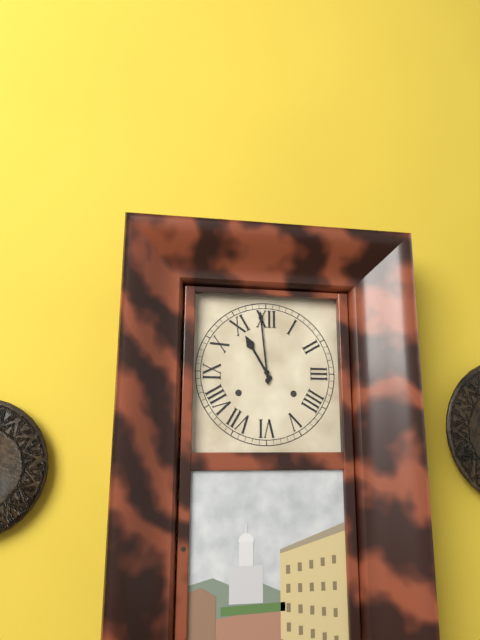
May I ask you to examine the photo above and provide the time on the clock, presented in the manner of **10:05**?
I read **10:59**
